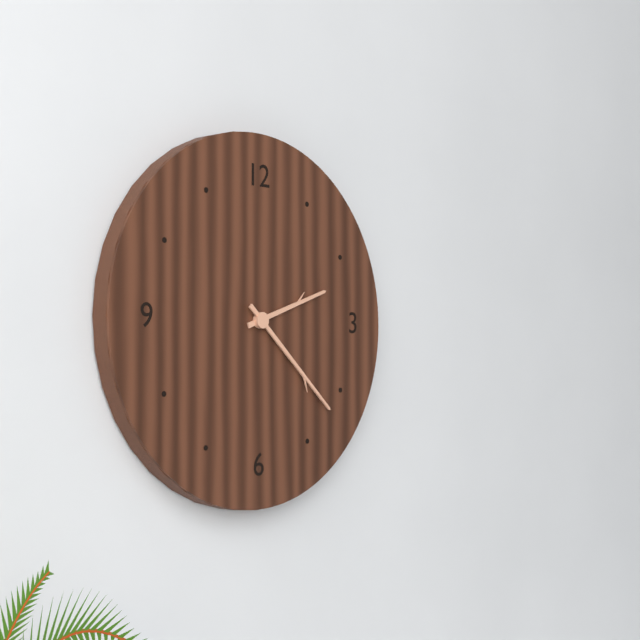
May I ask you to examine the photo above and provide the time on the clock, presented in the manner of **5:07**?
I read **2:22**
